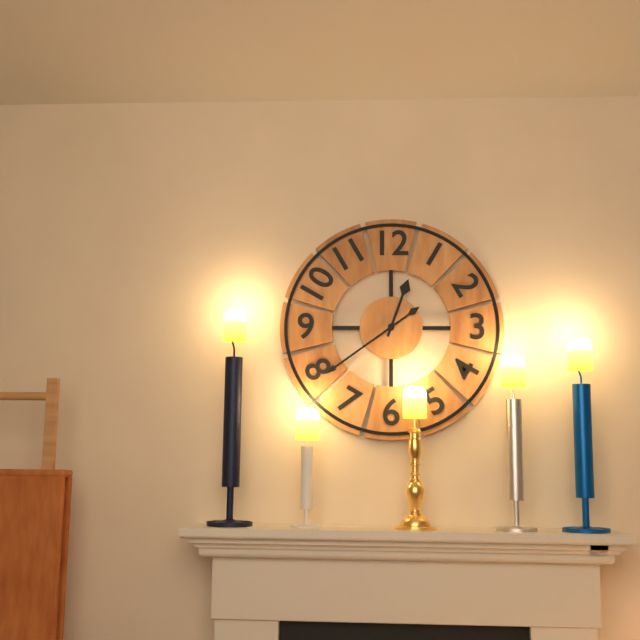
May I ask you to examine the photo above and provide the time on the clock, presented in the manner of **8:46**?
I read **12:39**
